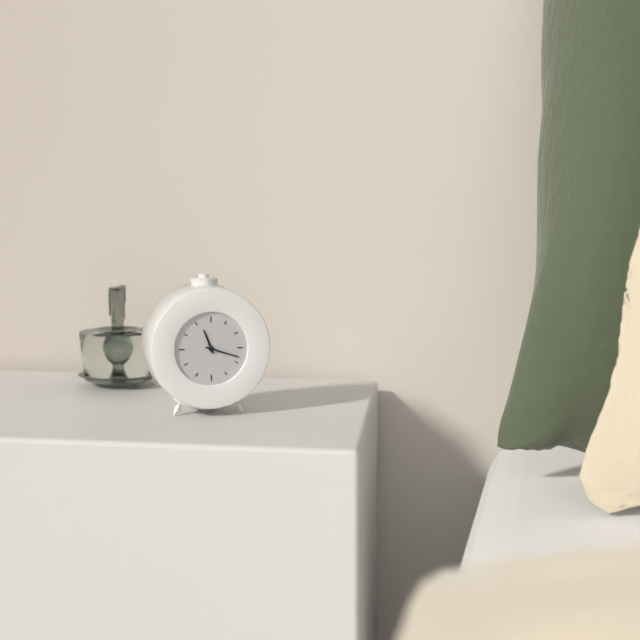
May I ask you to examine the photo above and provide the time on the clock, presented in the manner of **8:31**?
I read **11:18**
